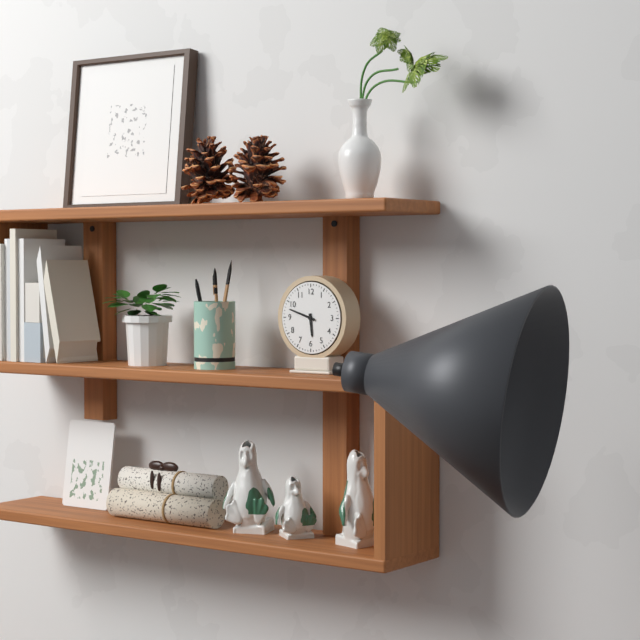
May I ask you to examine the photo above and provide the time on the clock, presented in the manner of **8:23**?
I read **5:48**
